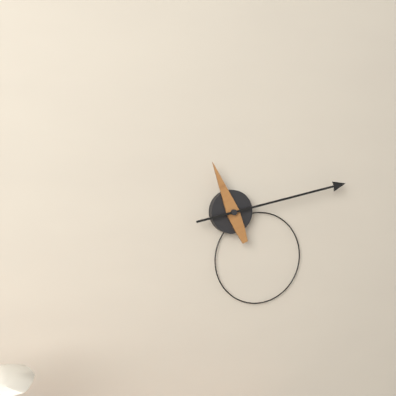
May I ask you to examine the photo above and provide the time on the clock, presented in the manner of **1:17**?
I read **11:13**
